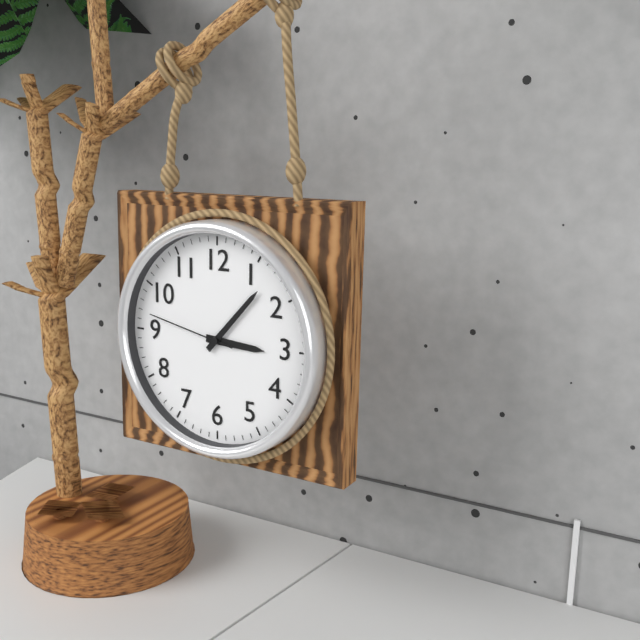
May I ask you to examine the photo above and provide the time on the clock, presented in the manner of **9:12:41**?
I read **3:07:47**
